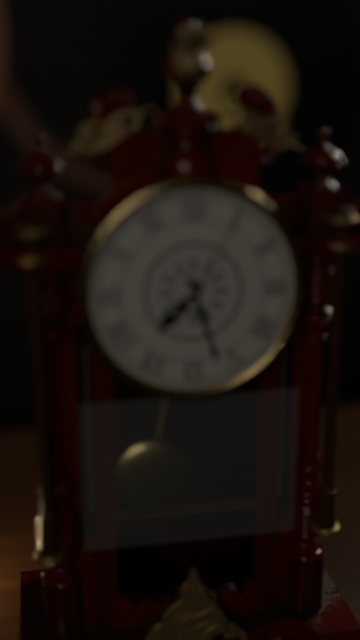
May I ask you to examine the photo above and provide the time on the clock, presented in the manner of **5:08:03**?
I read **7:27:05**
